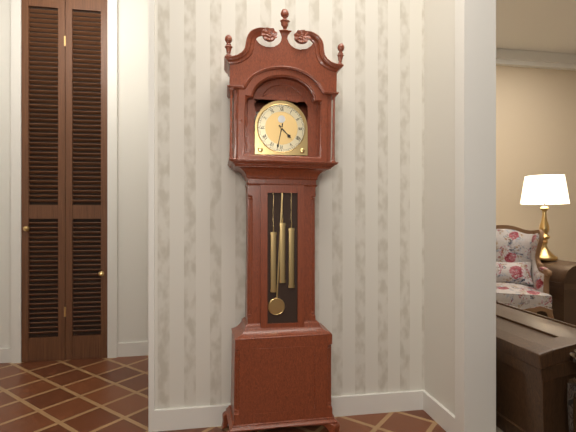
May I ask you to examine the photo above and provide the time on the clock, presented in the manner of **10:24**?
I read **4:32**
